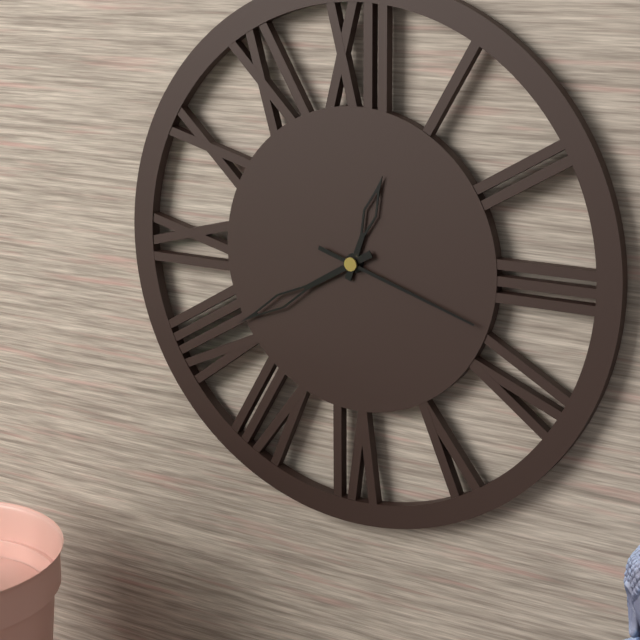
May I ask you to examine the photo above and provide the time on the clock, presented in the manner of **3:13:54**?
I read **12:40:18**
